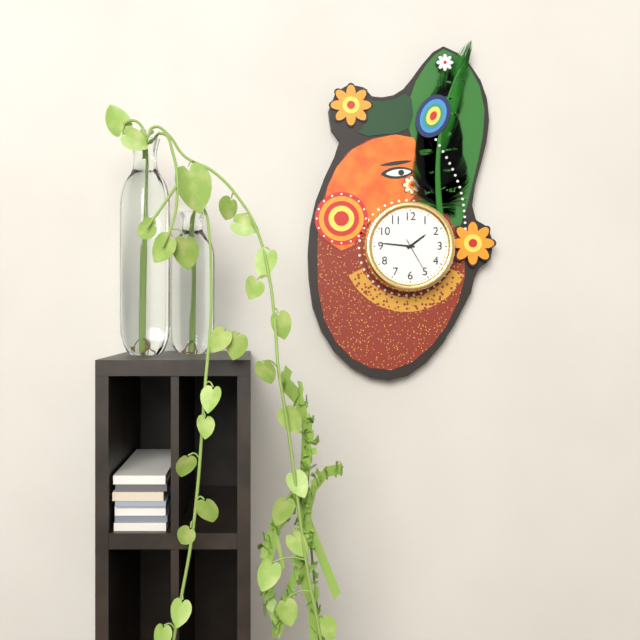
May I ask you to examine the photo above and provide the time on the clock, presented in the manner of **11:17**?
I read **1:46**
